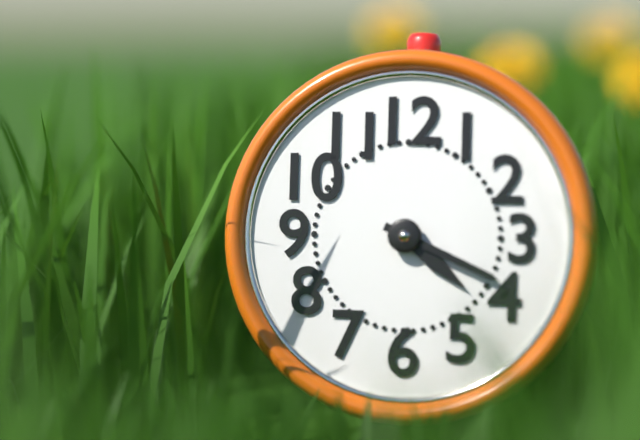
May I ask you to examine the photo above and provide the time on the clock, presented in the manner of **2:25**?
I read **4:19**
